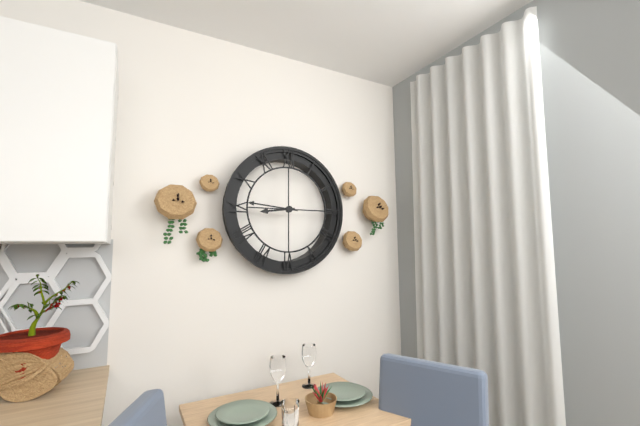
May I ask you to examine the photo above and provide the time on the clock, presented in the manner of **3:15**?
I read **8:46**
